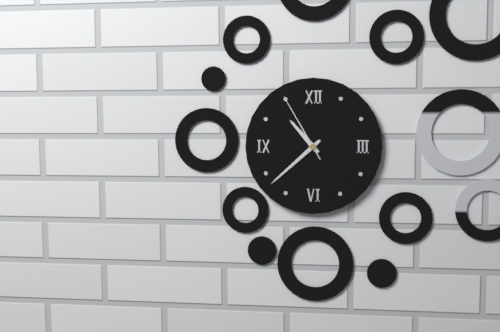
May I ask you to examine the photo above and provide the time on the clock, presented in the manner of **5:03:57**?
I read **10:38:55**
